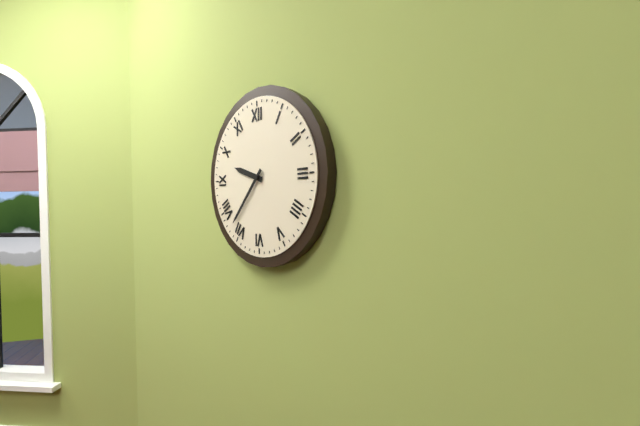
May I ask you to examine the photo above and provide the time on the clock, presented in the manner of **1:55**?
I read **9:37**
